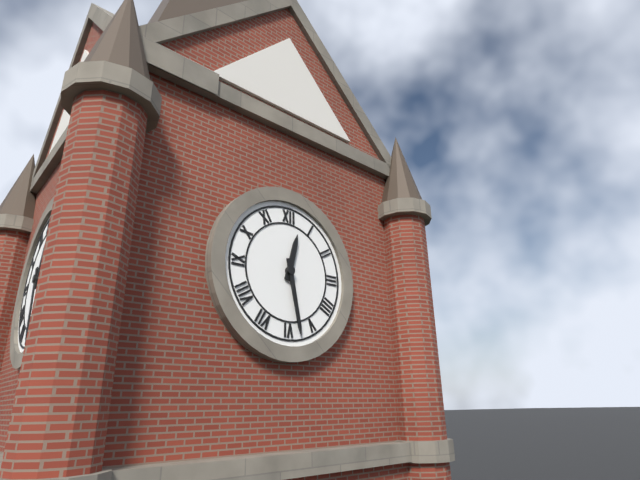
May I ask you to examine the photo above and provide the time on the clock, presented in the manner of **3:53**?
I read **12:28**
